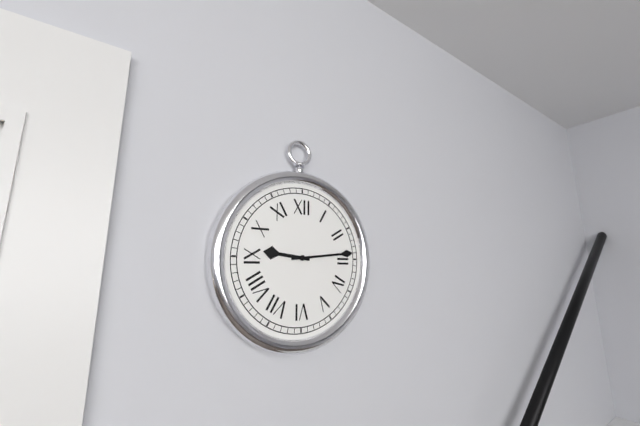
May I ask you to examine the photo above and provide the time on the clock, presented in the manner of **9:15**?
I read **9:14**
